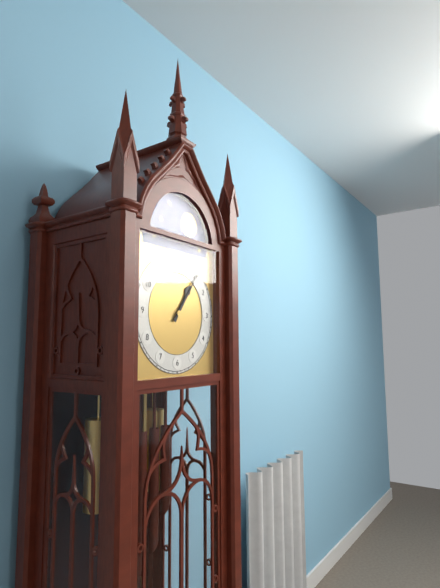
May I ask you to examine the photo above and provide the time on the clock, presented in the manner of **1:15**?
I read **1:06**
